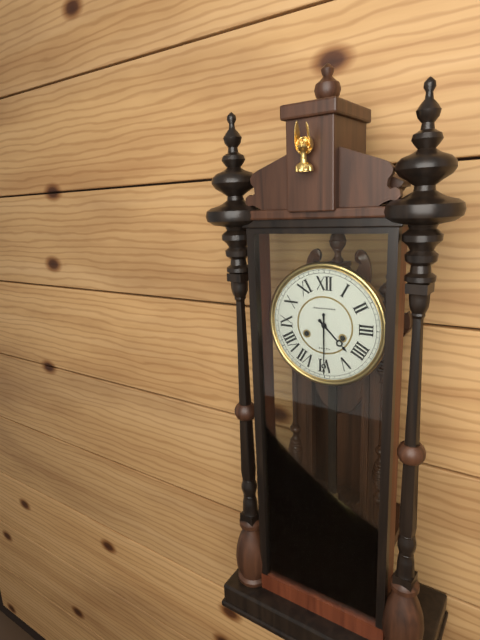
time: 4:30
